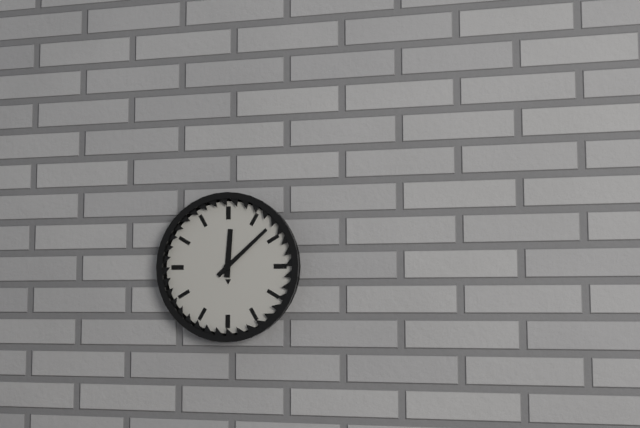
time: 12:08
